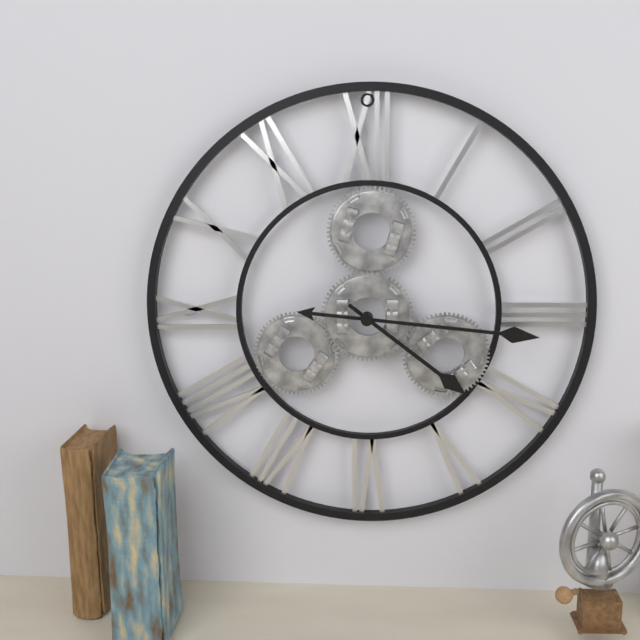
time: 4:16
